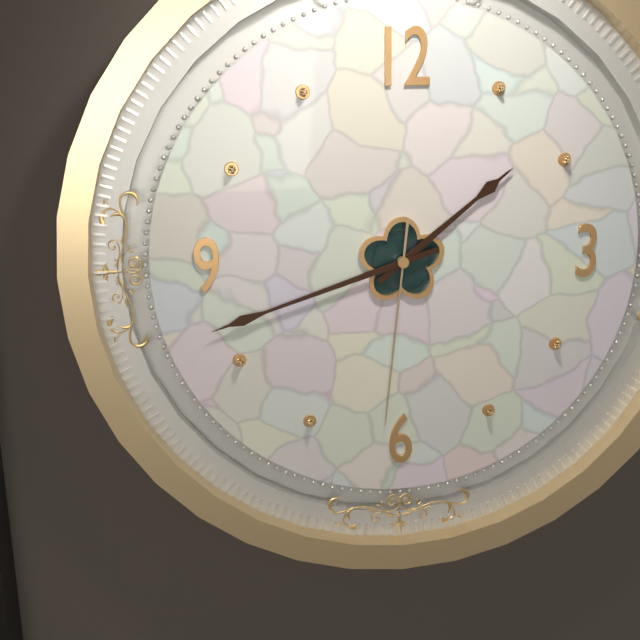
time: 1:42:31
